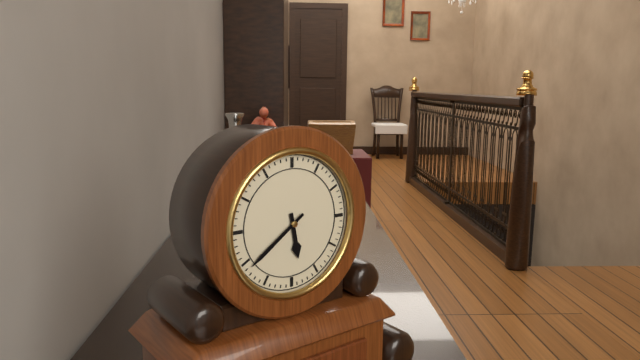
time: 5:39
